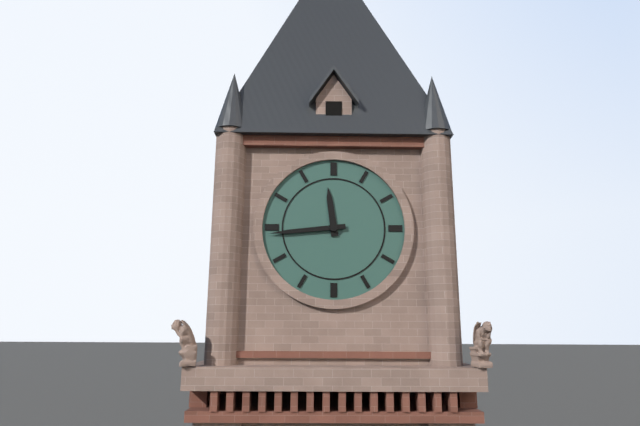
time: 11:44
